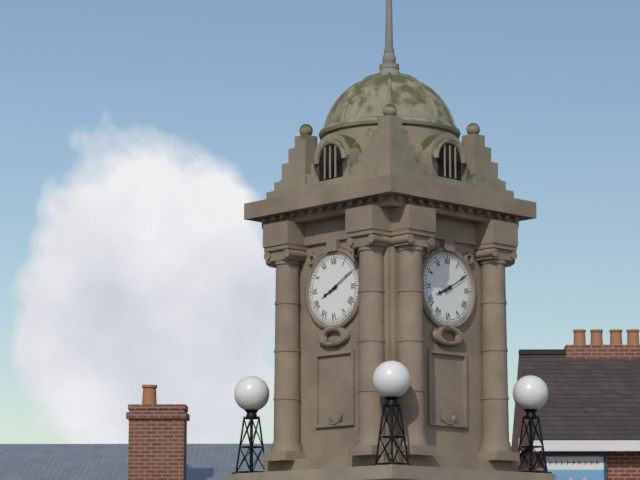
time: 8:10
